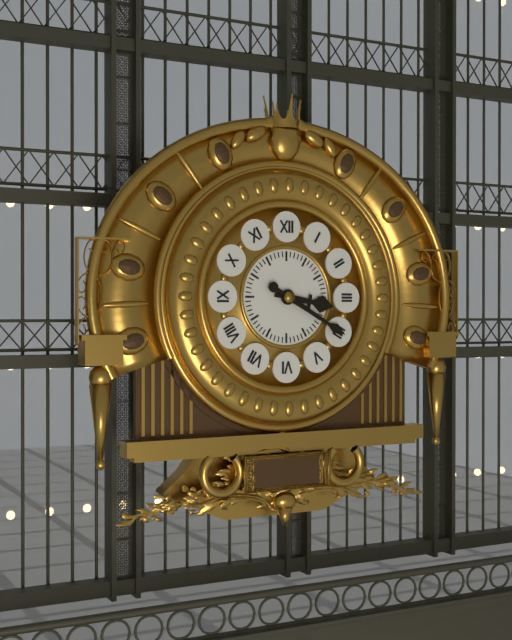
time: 3:20
